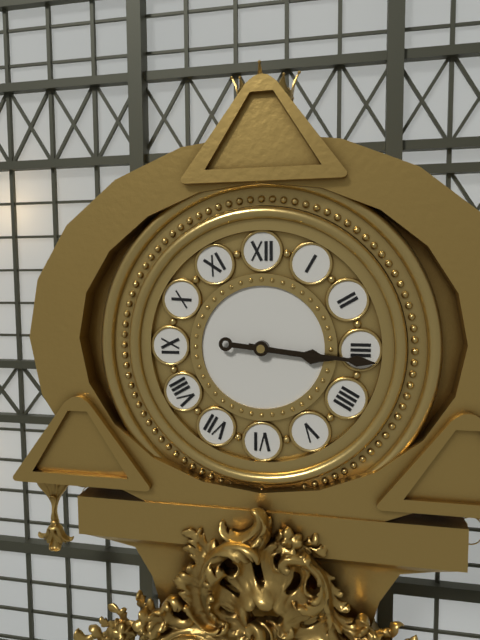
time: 3:16
